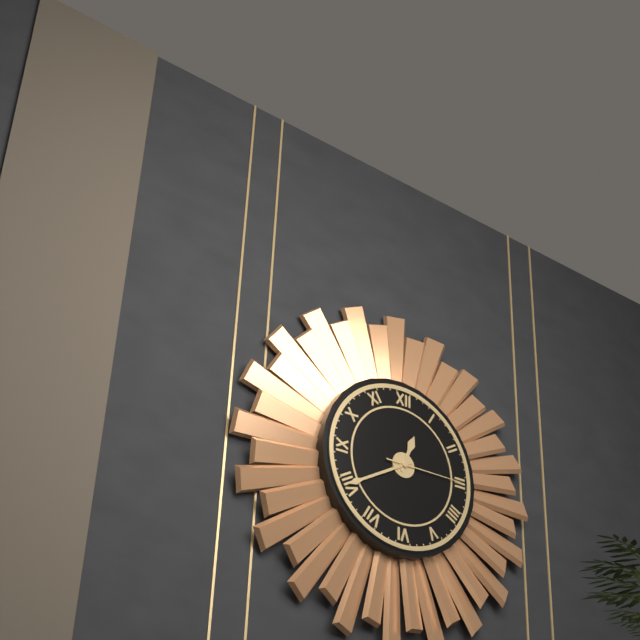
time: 12:40:15
